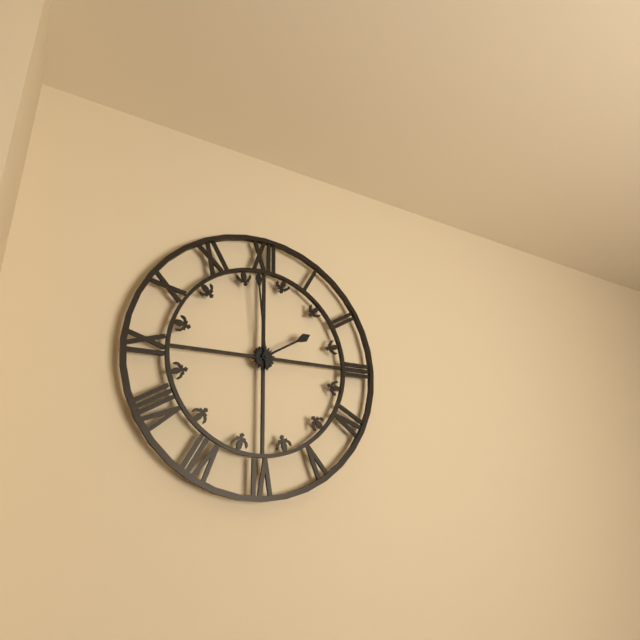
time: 1:59
